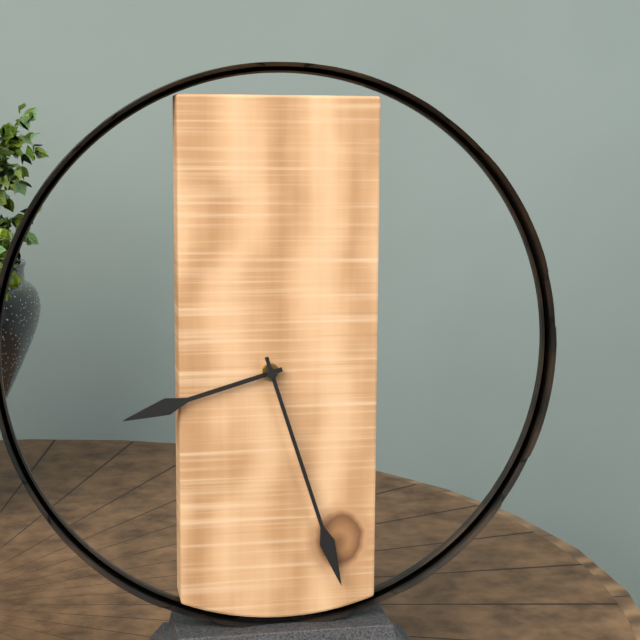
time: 8:27
